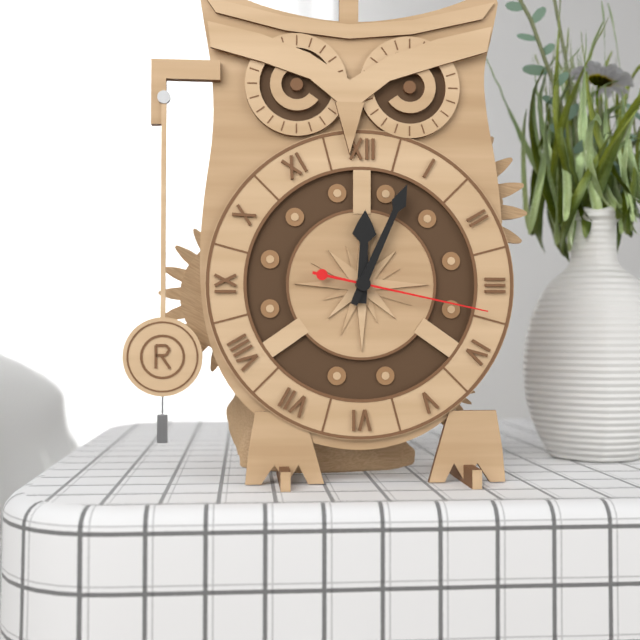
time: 12:04:17
